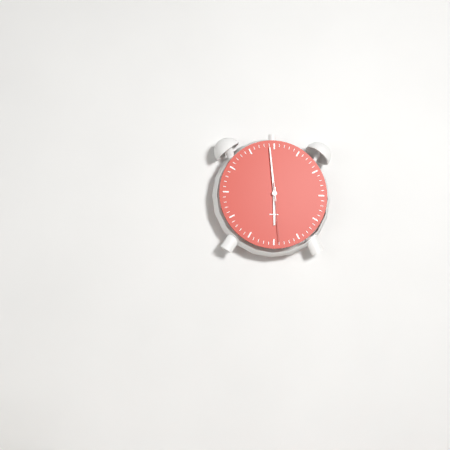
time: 5:59:29
